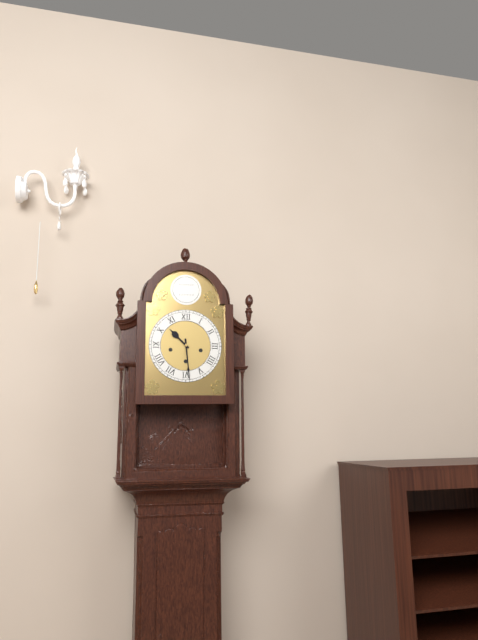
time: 10:29
